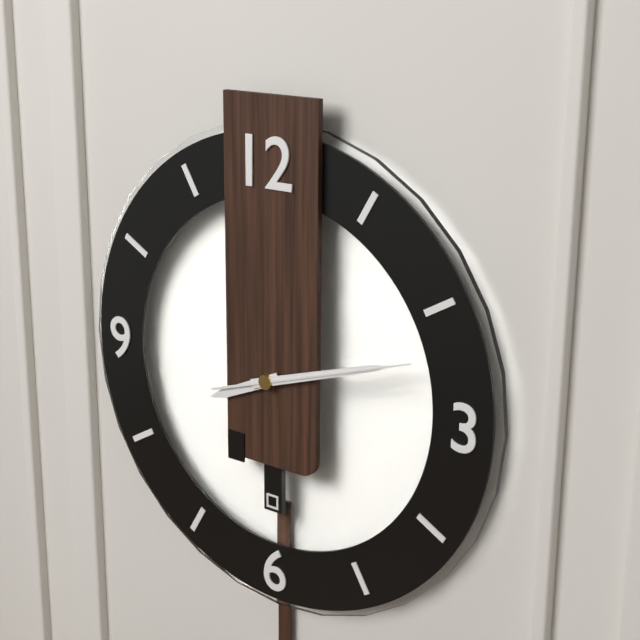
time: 8:12:12
